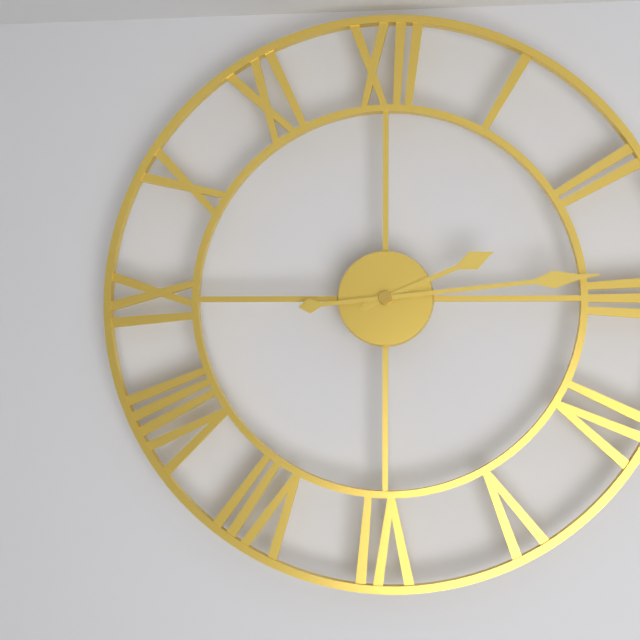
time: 2:14
